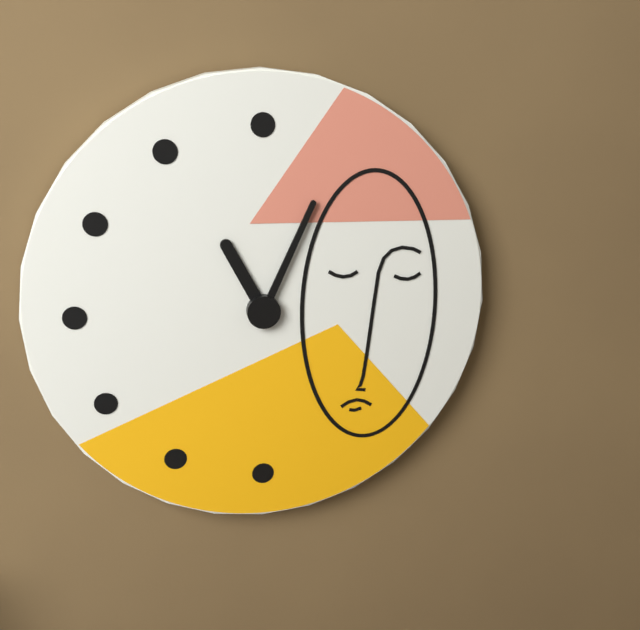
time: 11:04
